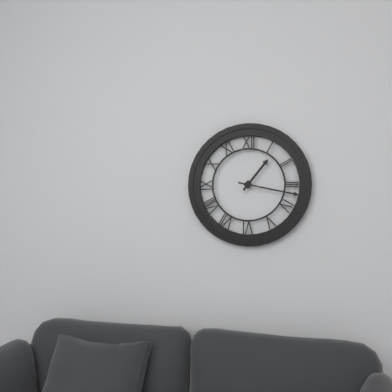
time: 1:17
